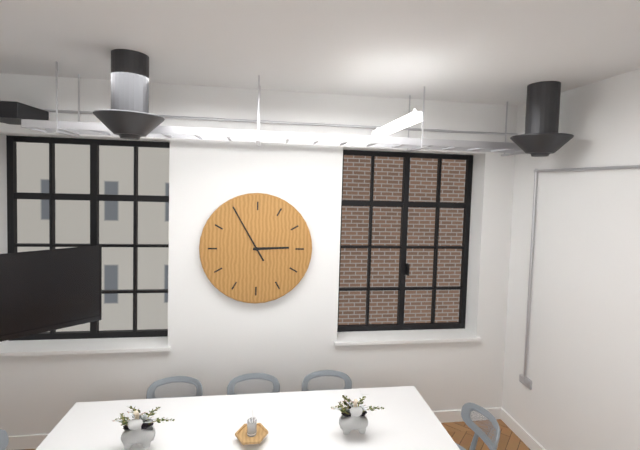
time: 2:55
